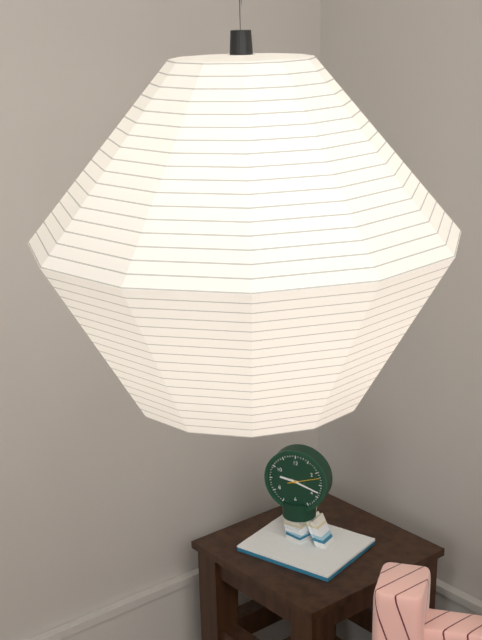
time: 9:18
